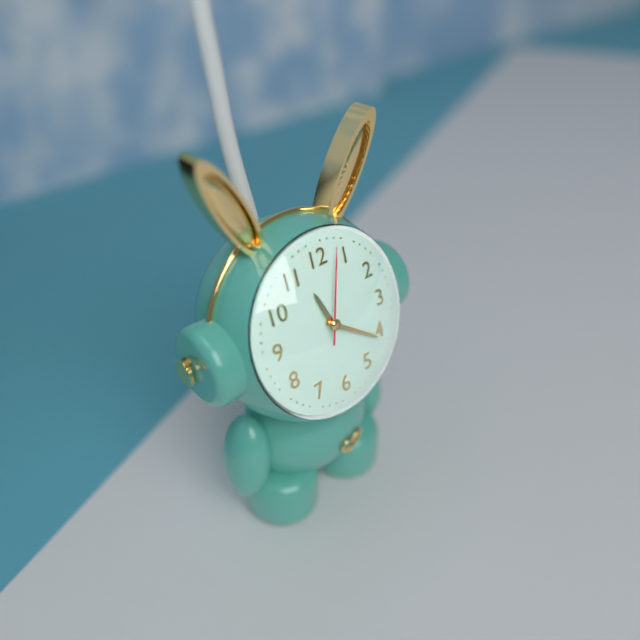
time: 11:21:03
